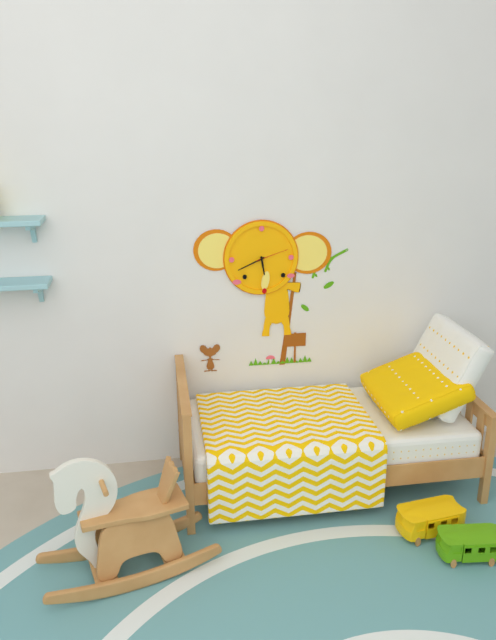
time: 5:41
